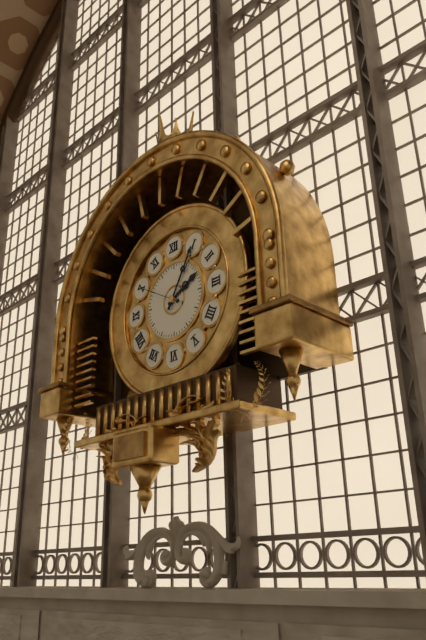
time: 2:05
